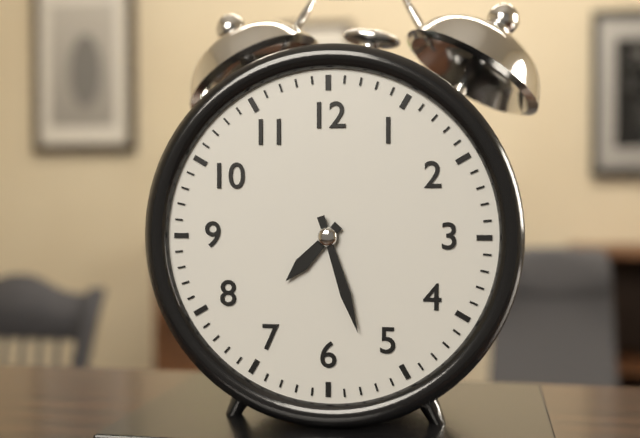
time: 7:27
